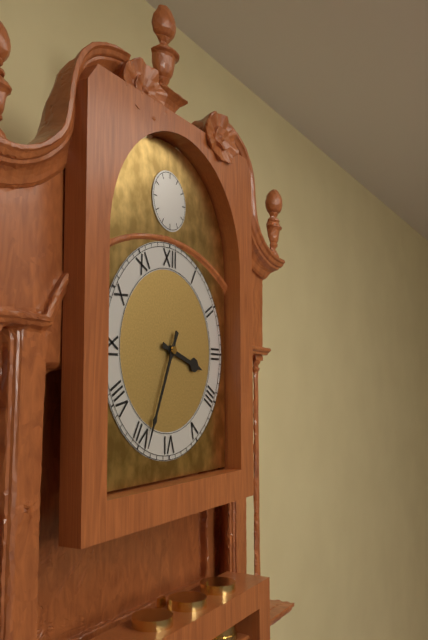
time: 3:34
